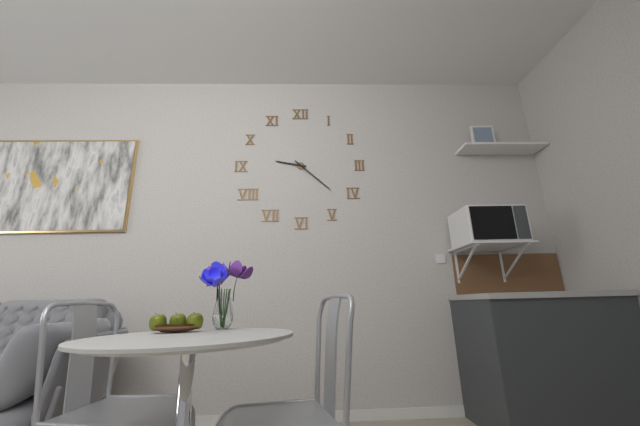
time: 9:22
